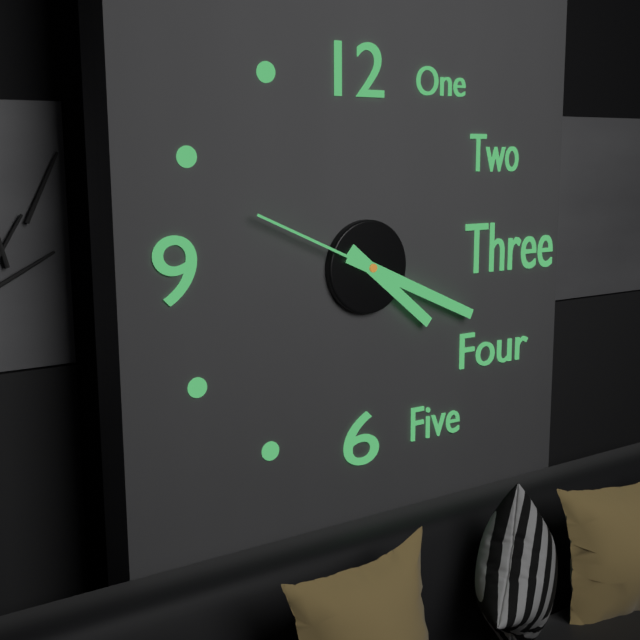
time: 4:19:49
